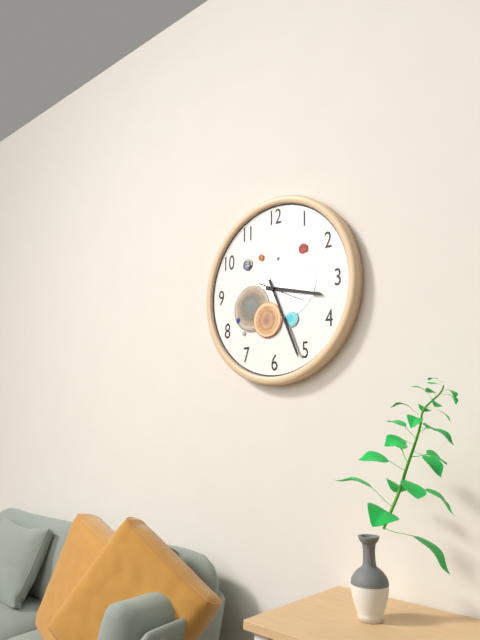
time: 3:26
